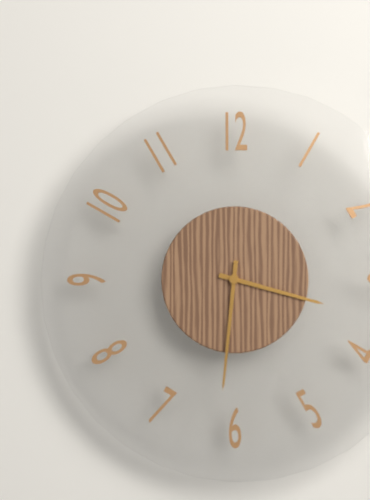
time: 3:31
